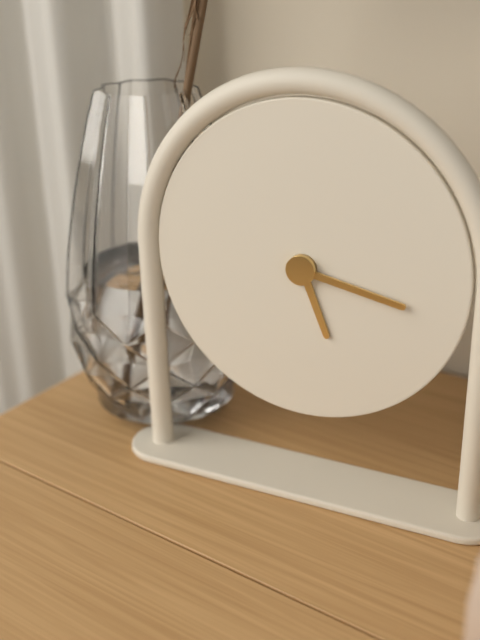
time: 5:17
